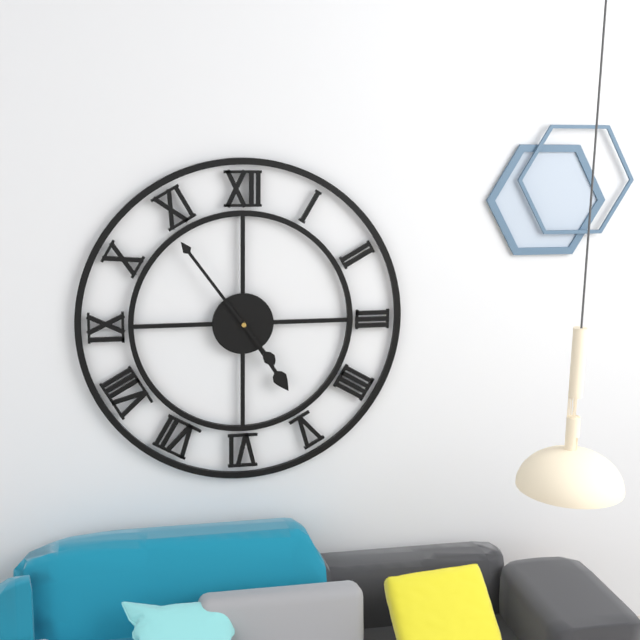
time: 4:54
